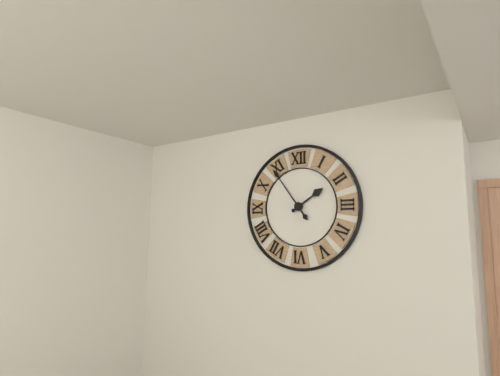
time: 1:54
